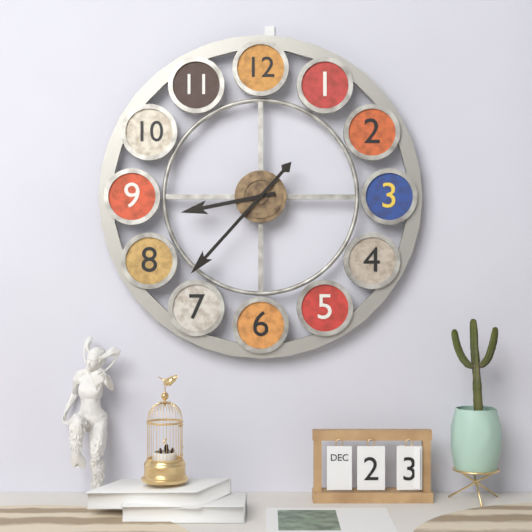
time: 8:37
